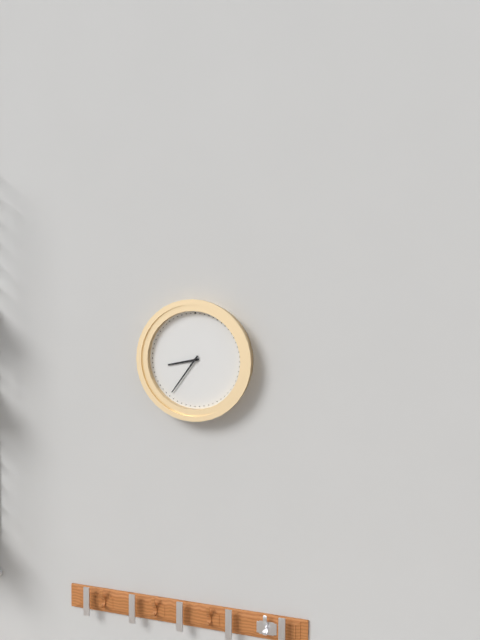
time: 8:36
